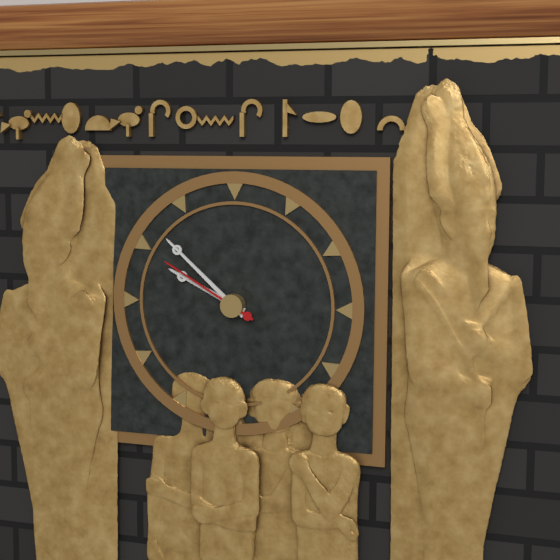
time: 9:52:50
